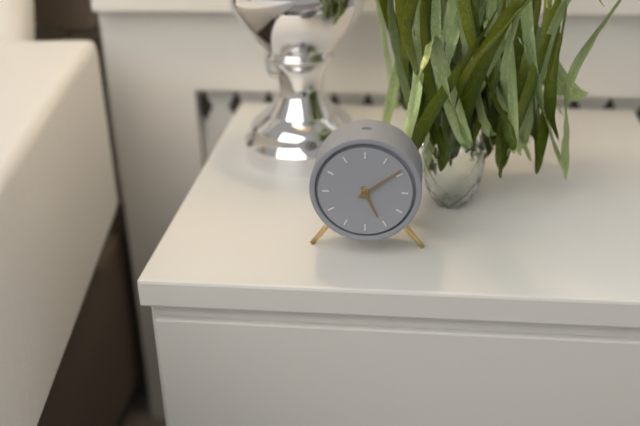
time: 5:09
